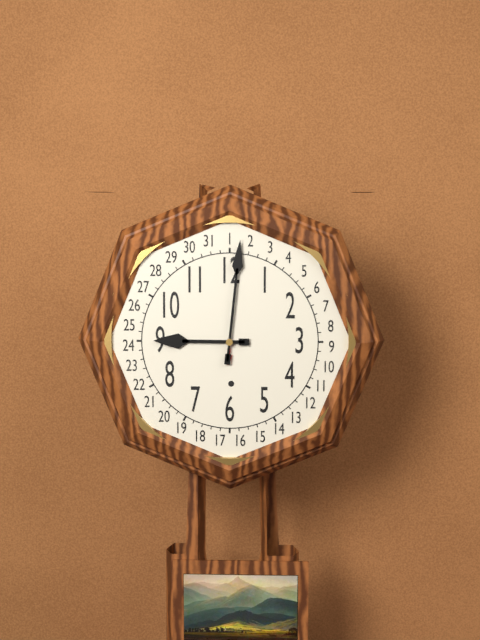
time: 9:01
